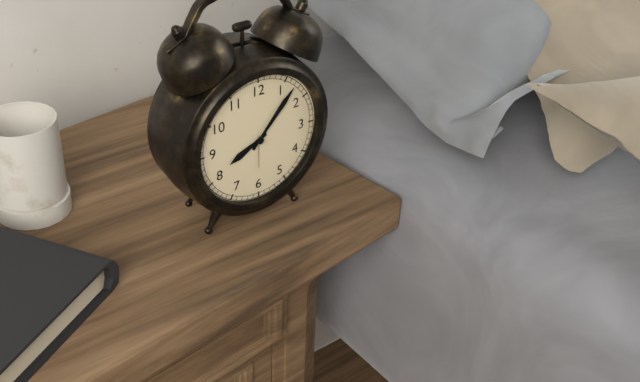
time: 8:07
